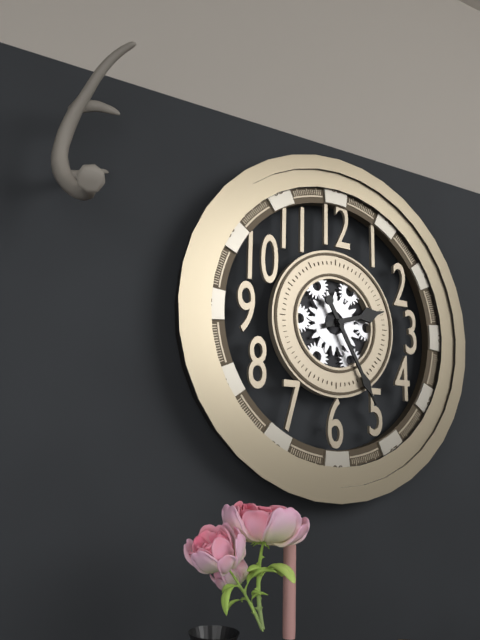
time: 2:25
